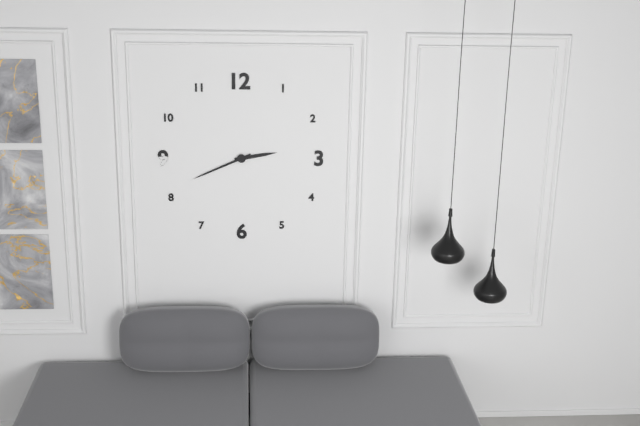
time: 2:41
